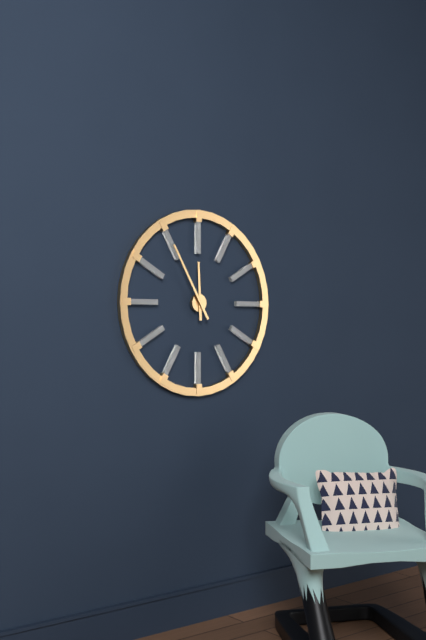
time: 11:55
